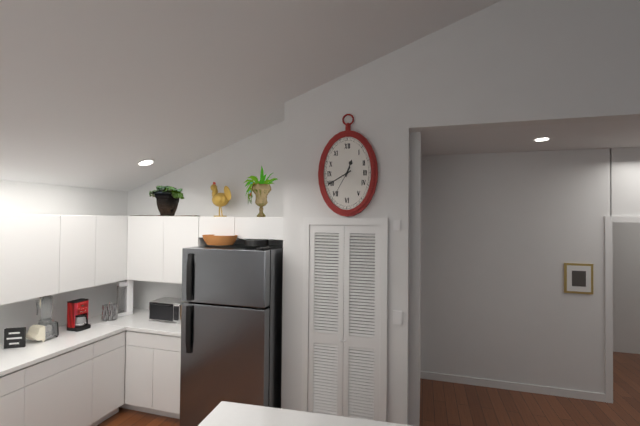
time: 12:40
